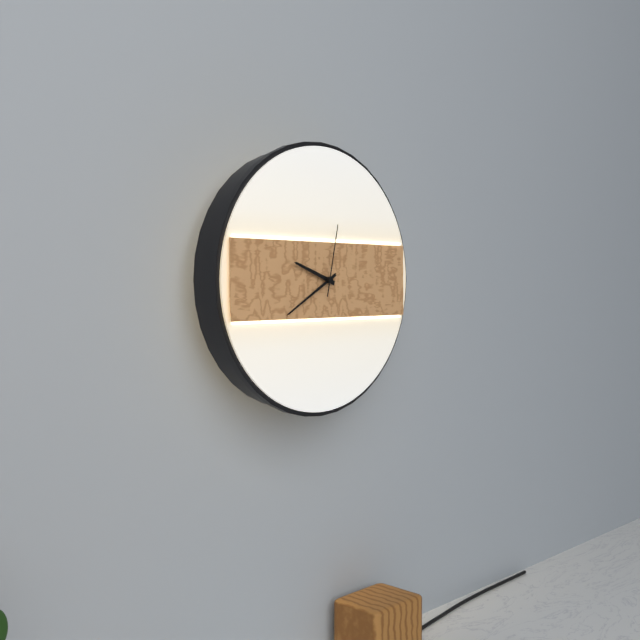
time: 9:40:02
